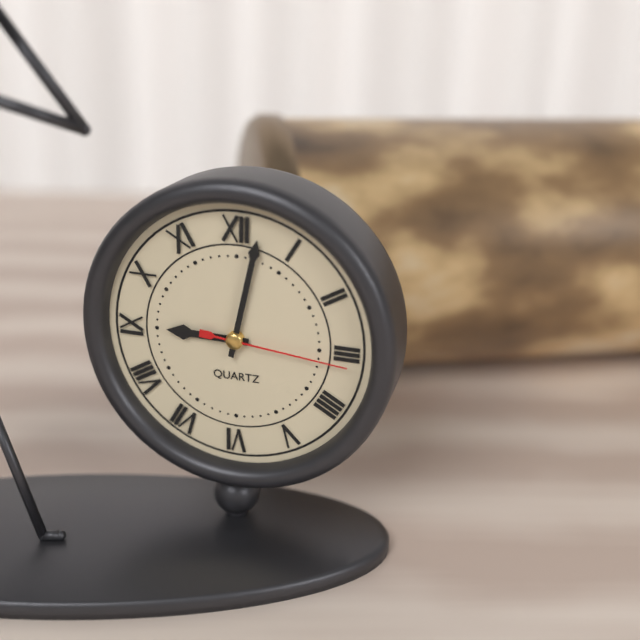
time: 9:02:16
